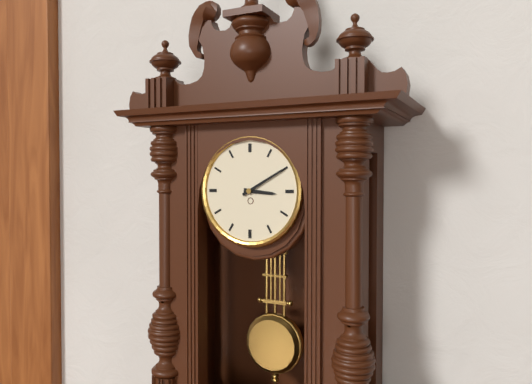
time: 3:10
